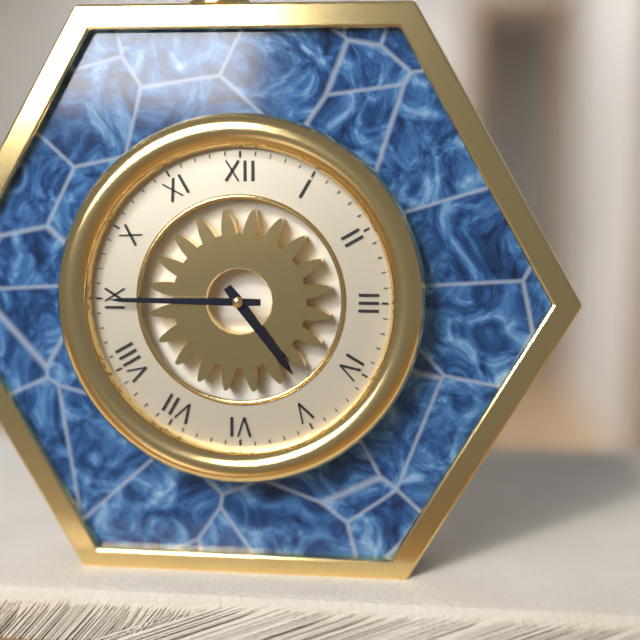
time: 4:45
